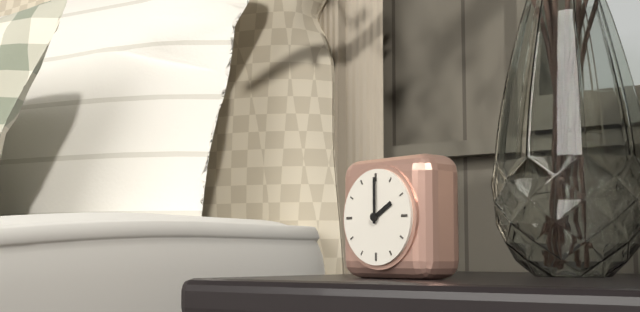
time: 2:00
